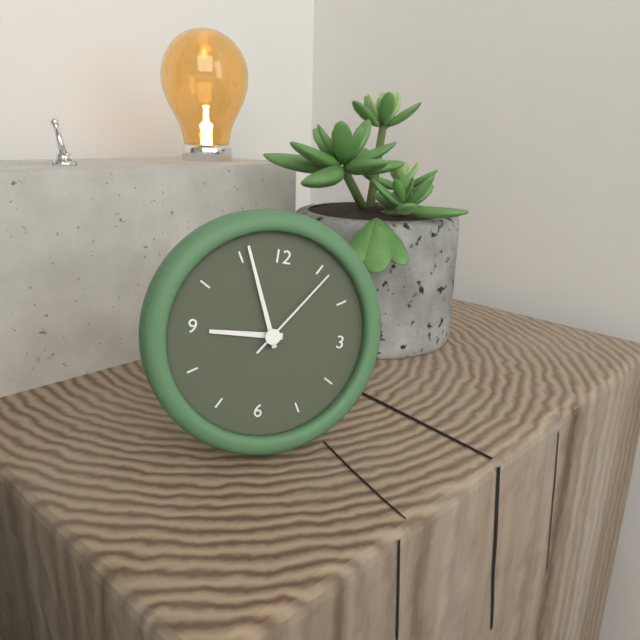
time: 8:56:06
